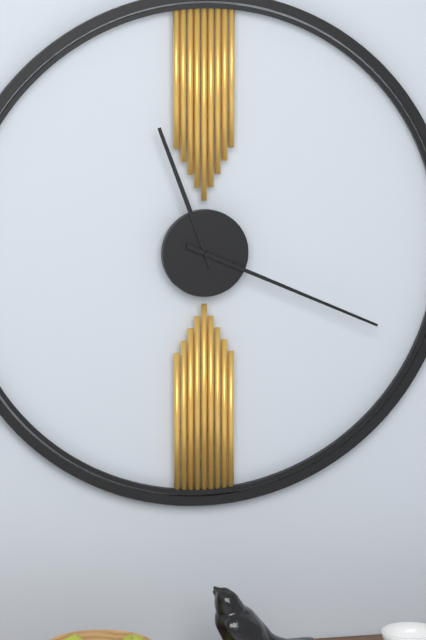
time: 11:19
